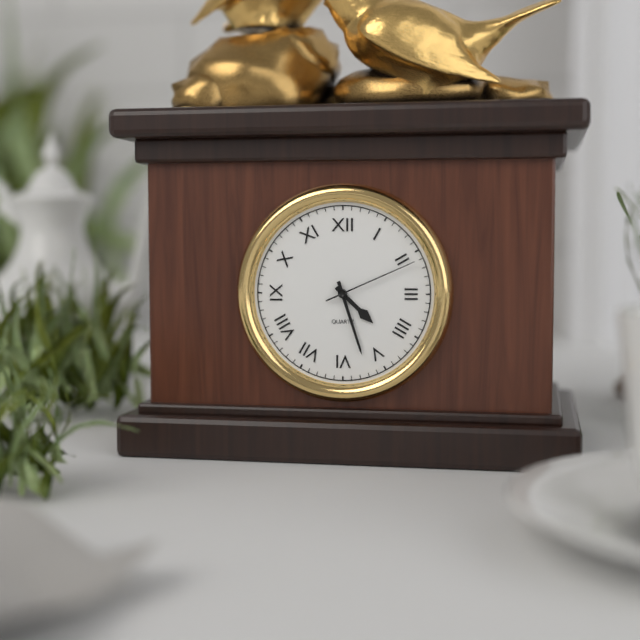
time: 4:27:11
